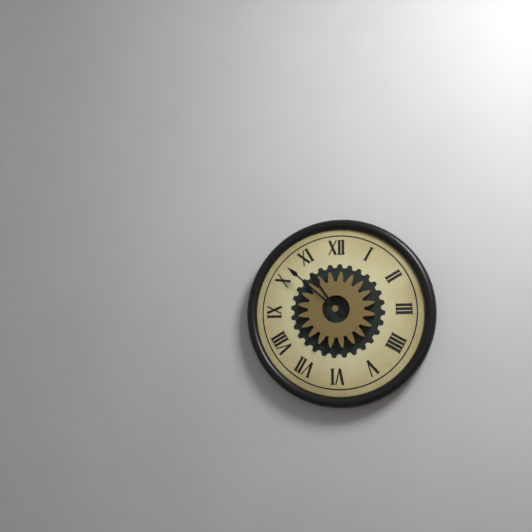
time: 10:52
